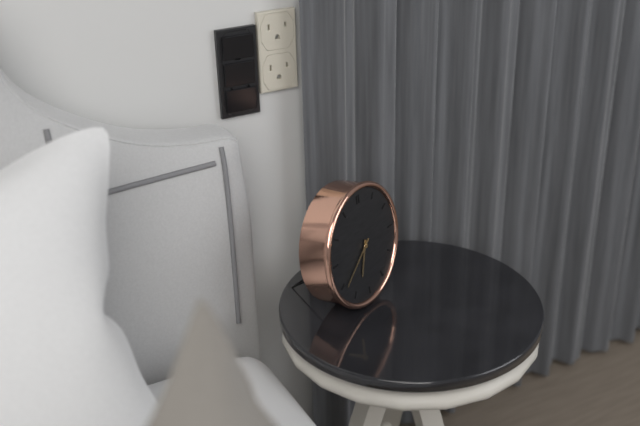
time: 6:39
